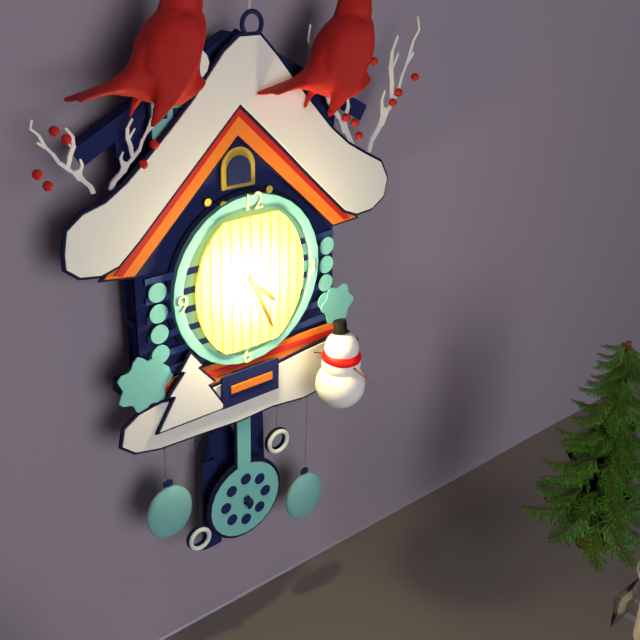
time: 4:26
